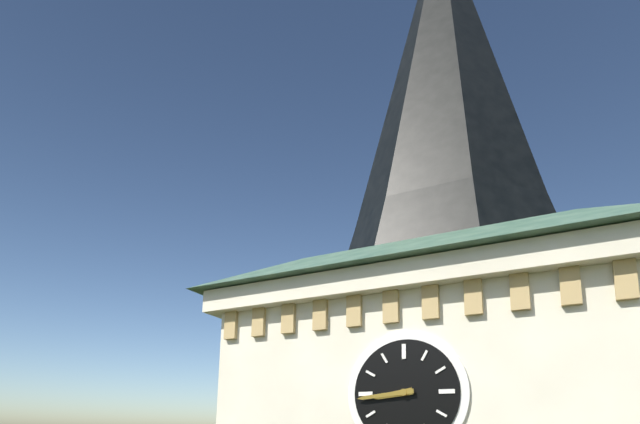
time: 8:44
